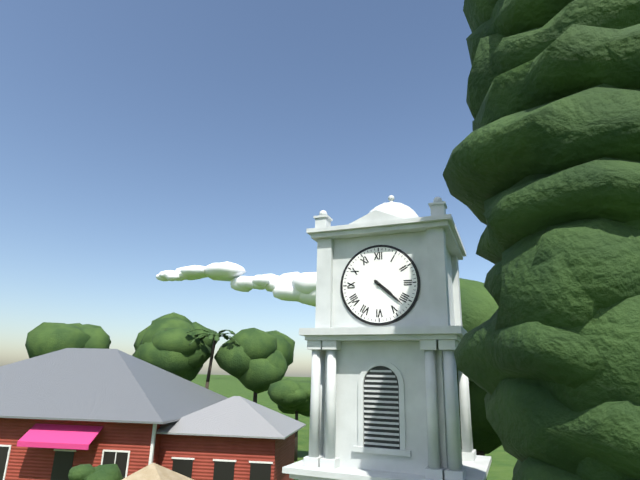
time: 4:22
